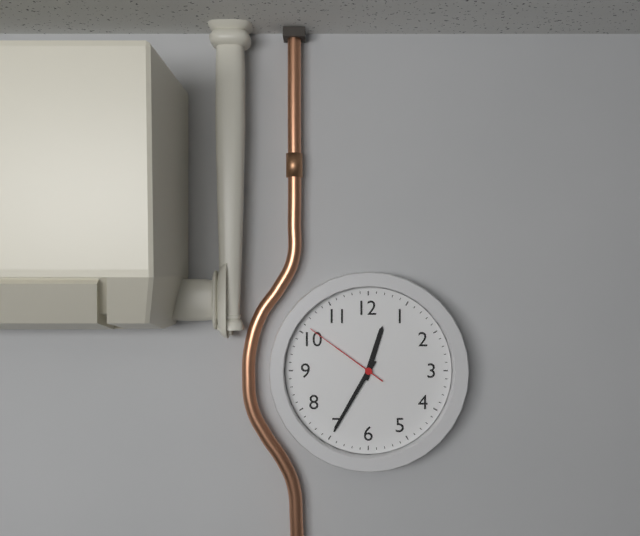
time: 12:35:51
